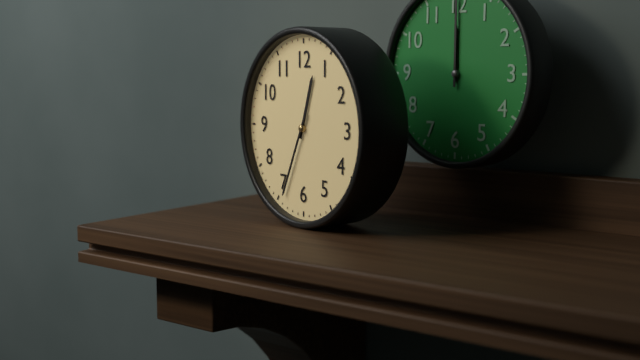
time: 12:34
